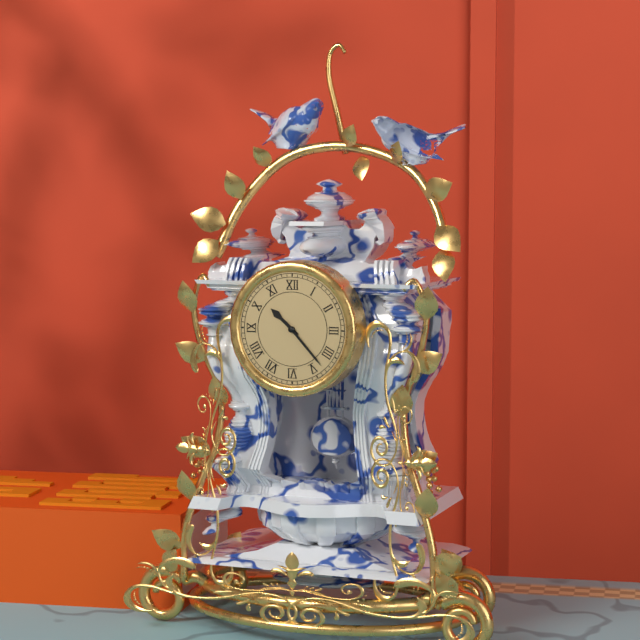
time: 10:23
